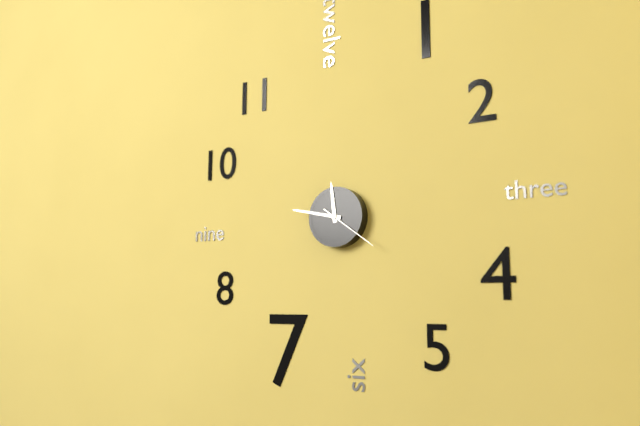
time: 11:47:21
